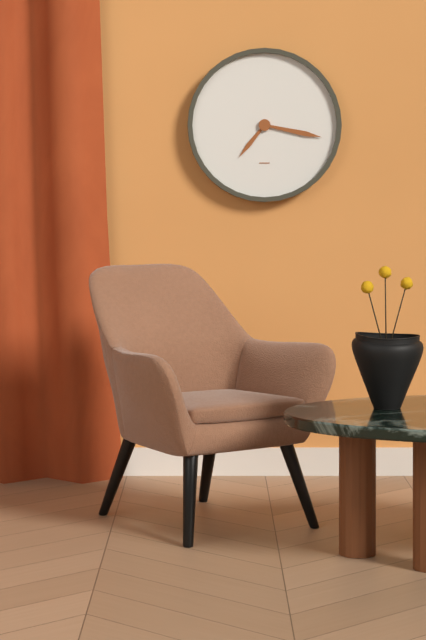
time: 7:17
